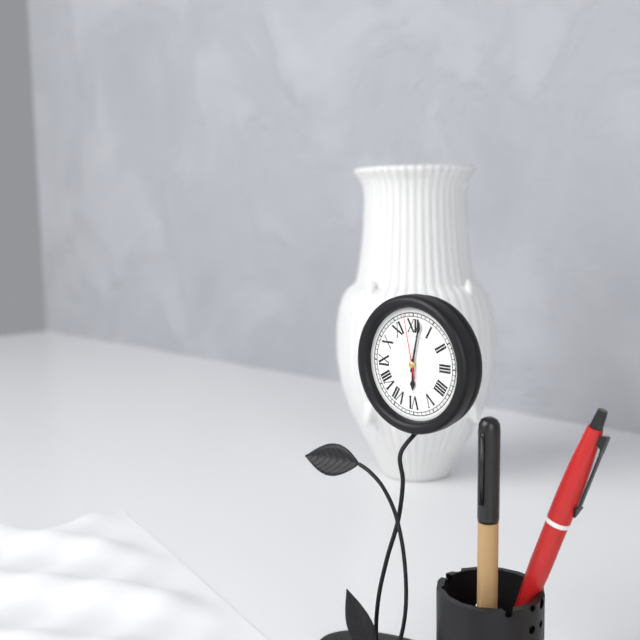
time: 6:02:58
